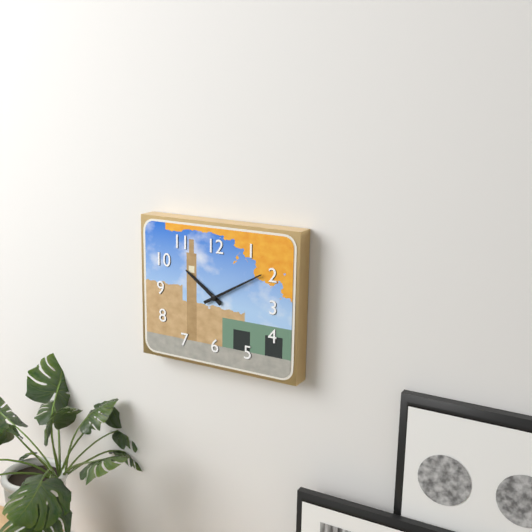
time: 10:10
